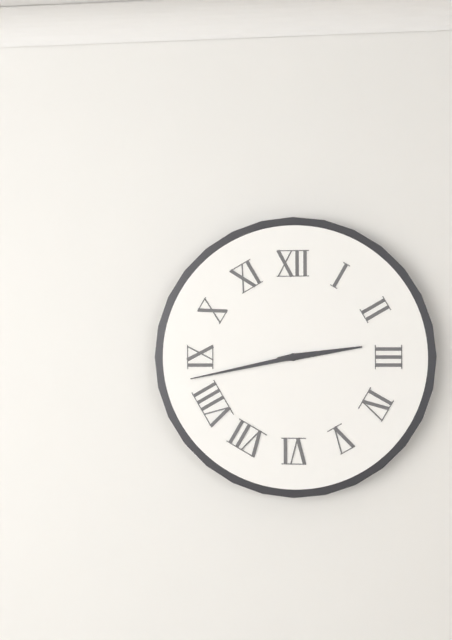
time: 2:43
